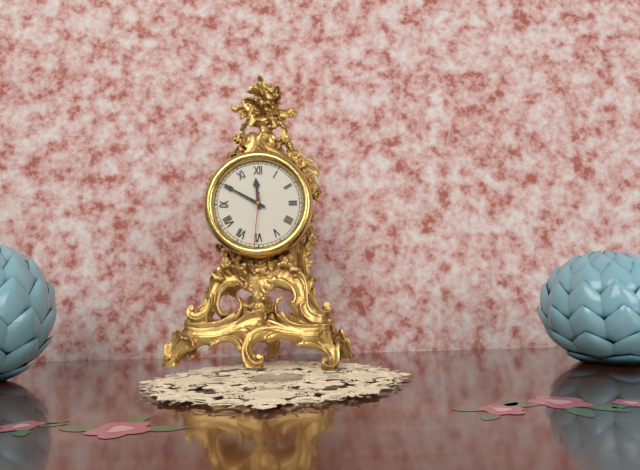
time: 11:50:31
